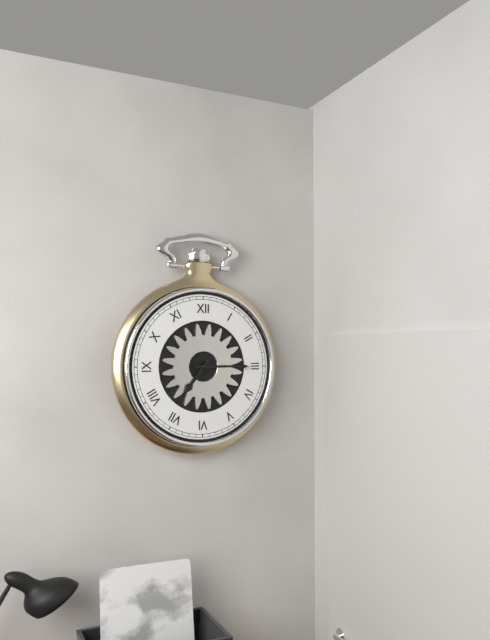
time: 7:15
